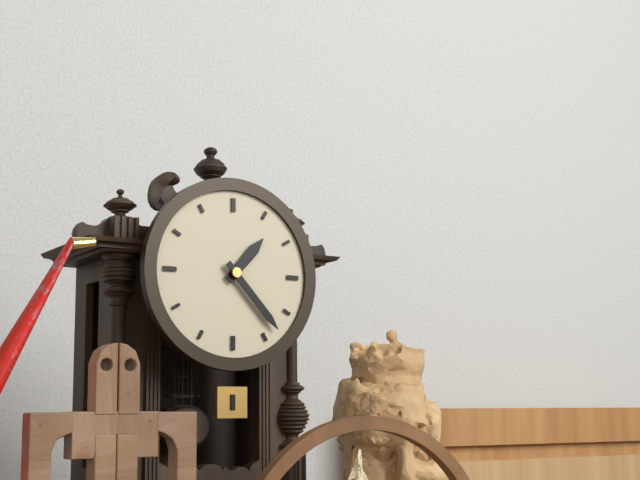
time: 1:23
